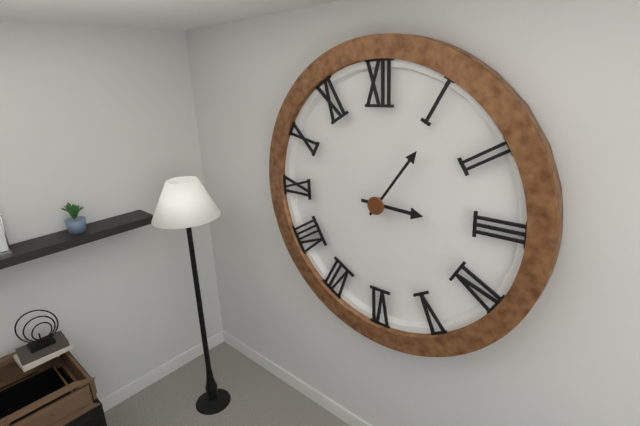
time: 3:06
